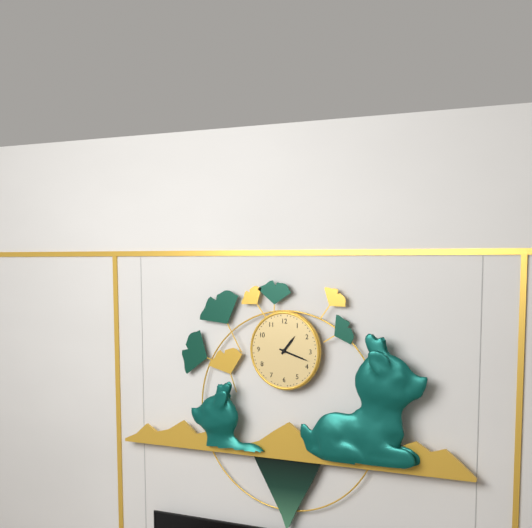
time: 1:18
